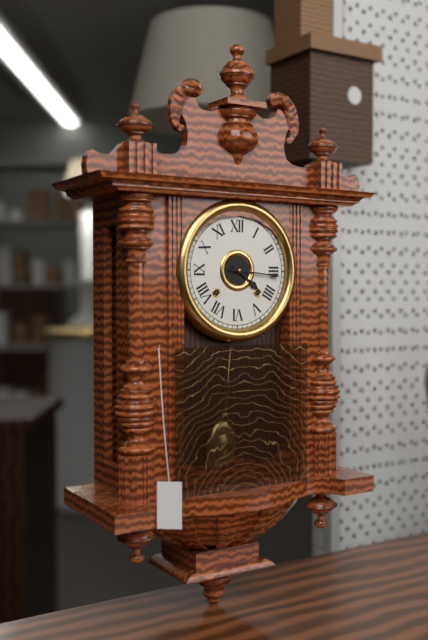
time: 4:16
